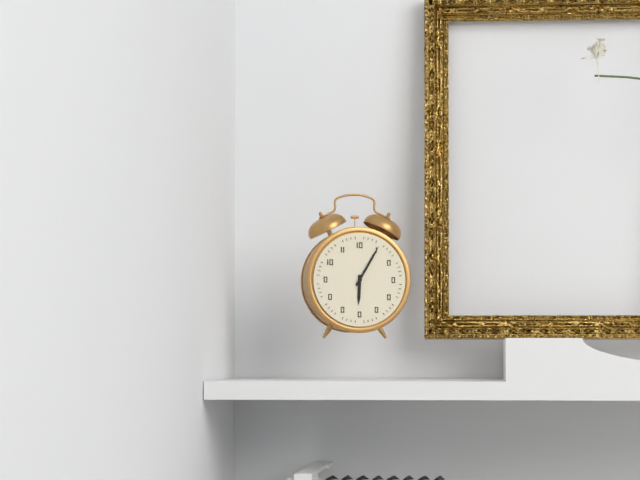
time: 6:05
